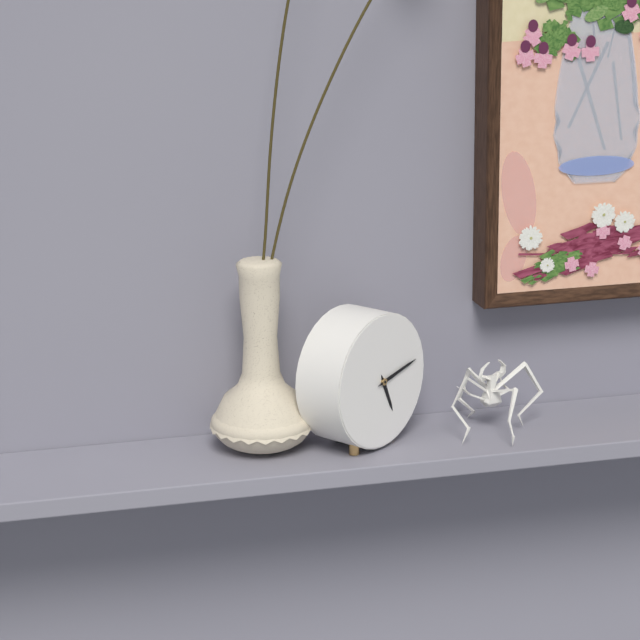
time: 5:13
